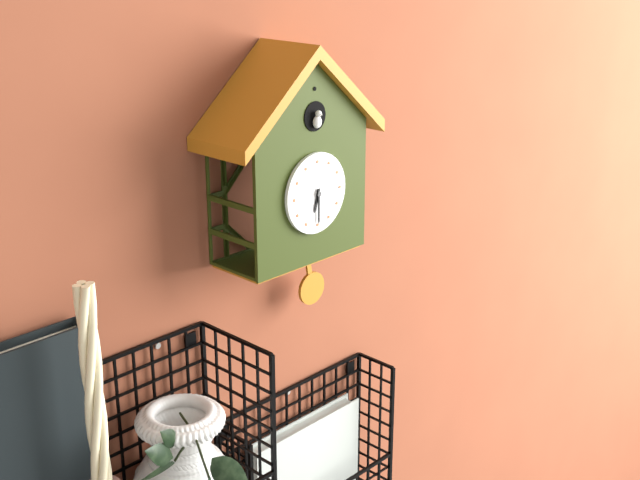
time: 6:30
